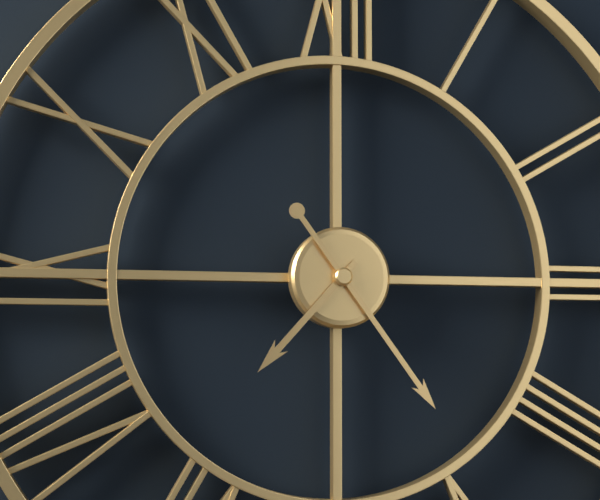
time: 7:24
